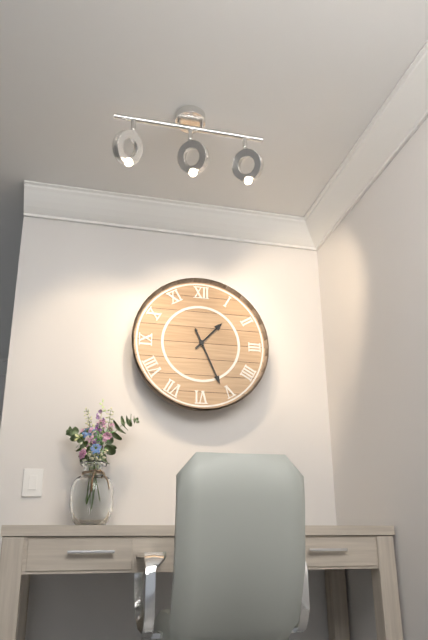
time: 1:26
